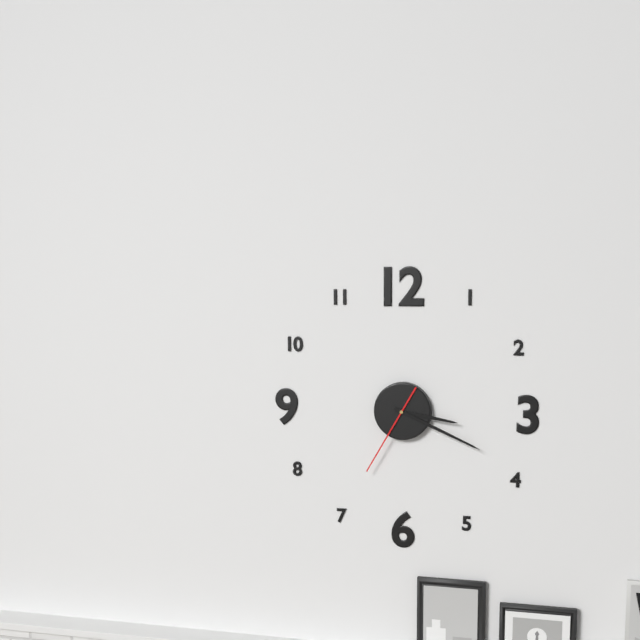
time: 3:19:35
